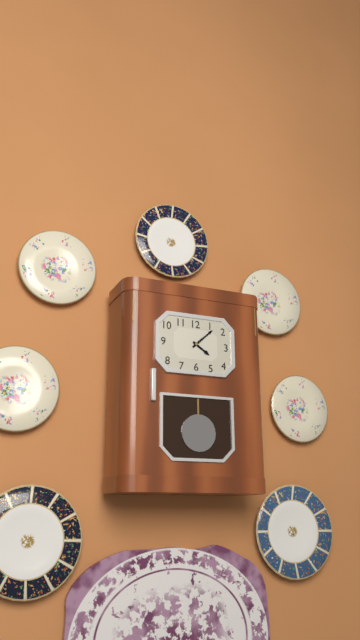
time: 4:08
